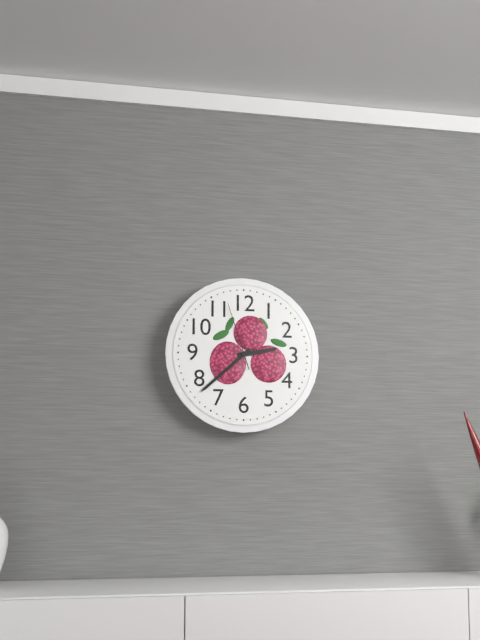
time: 2:38:57
